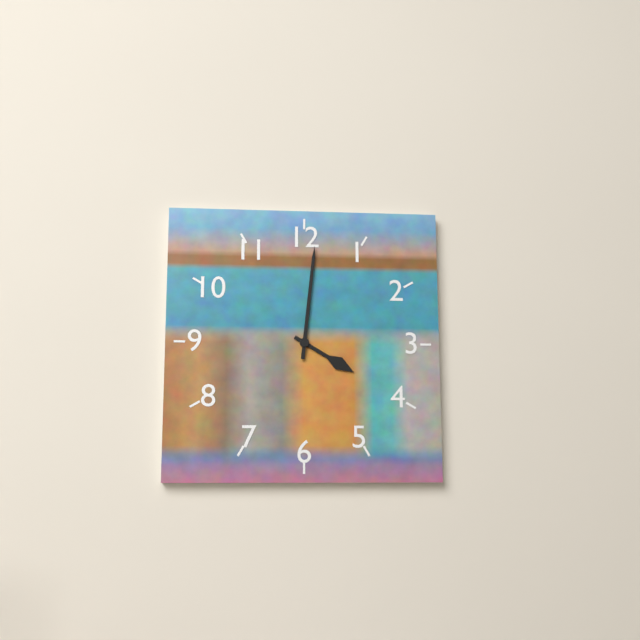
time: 4:01
